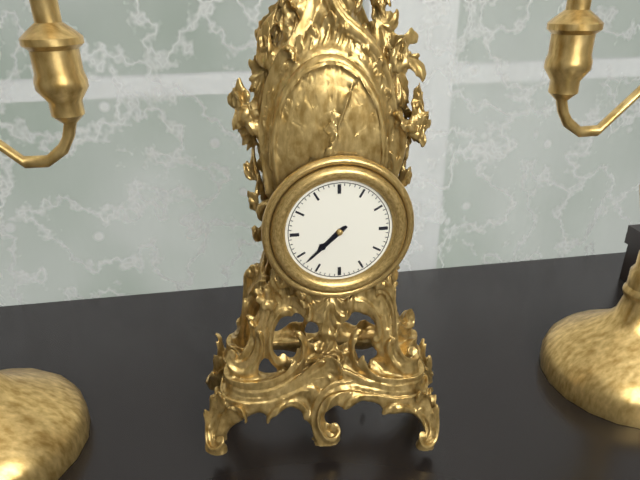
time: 7:38
